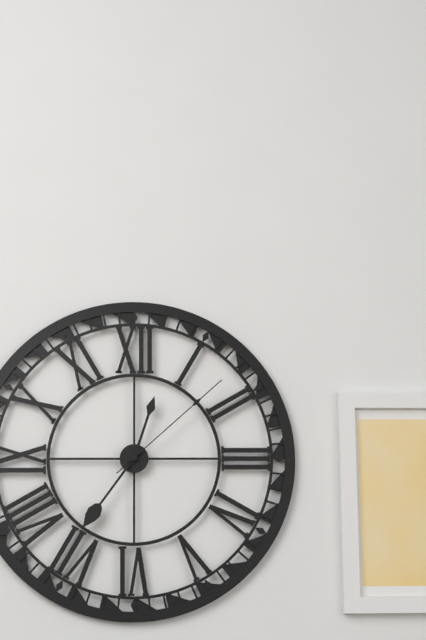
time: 12:36:08
